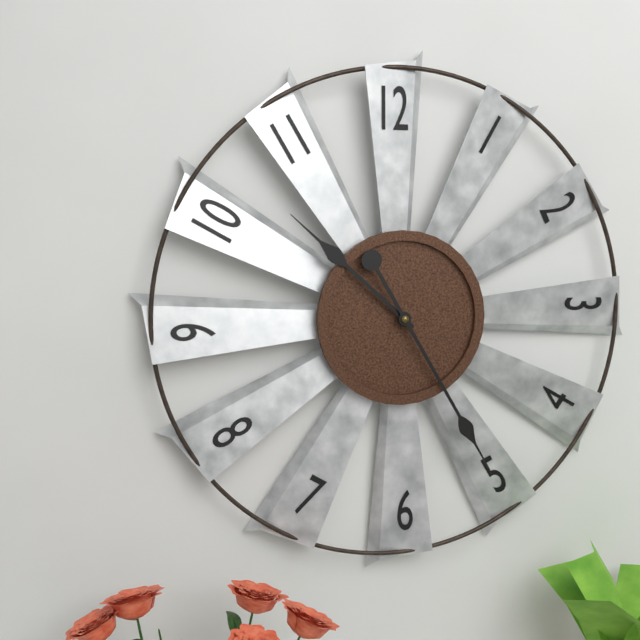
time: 10:25
